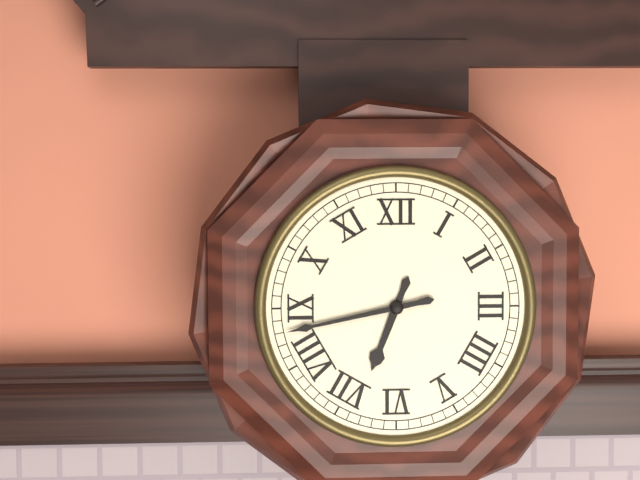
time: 6:43
